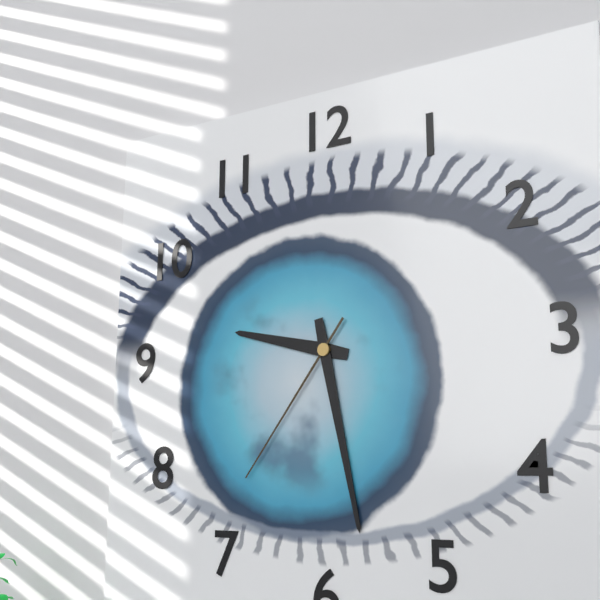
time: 9:28:36
